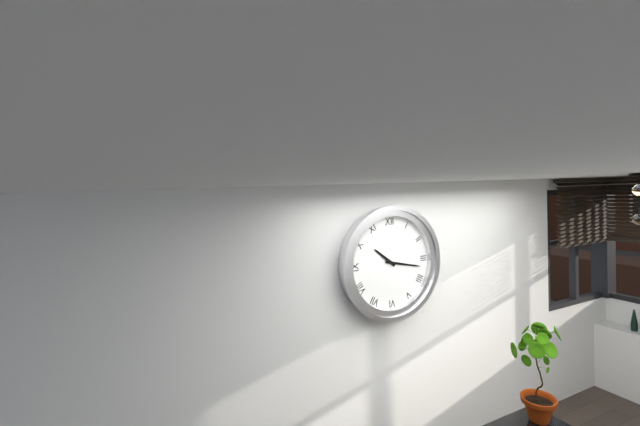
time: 10:17
